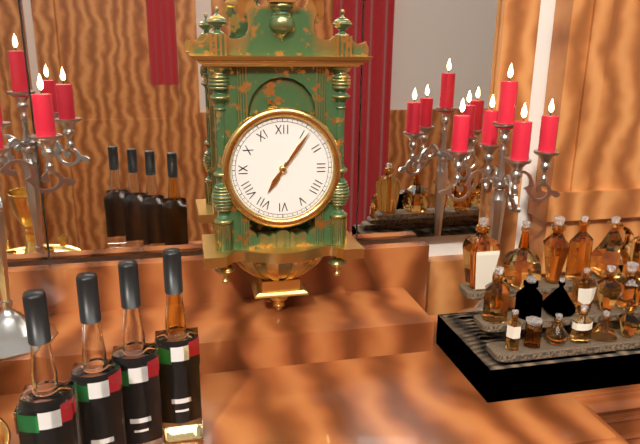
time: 7:06
